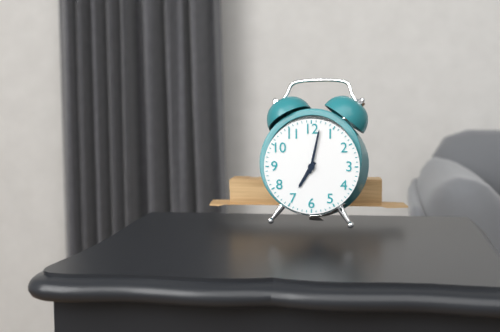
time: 7:02
